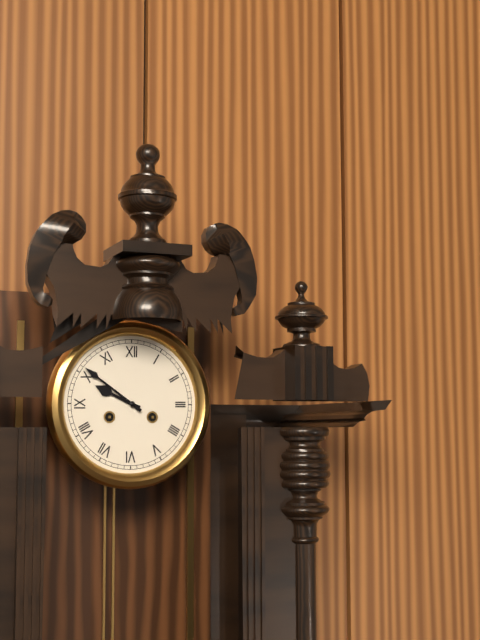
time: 9:51
